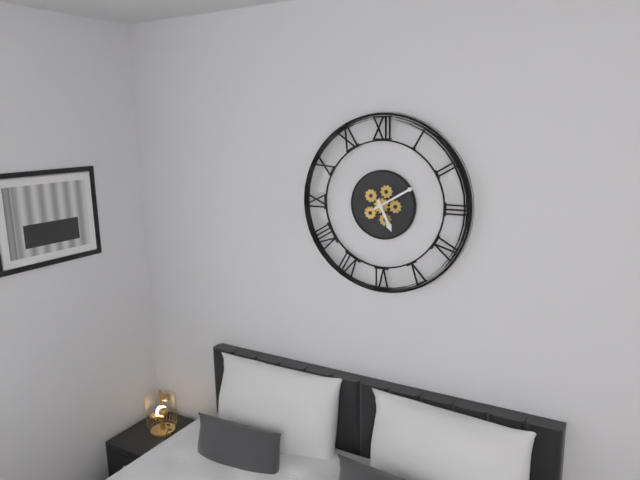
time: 5:10
